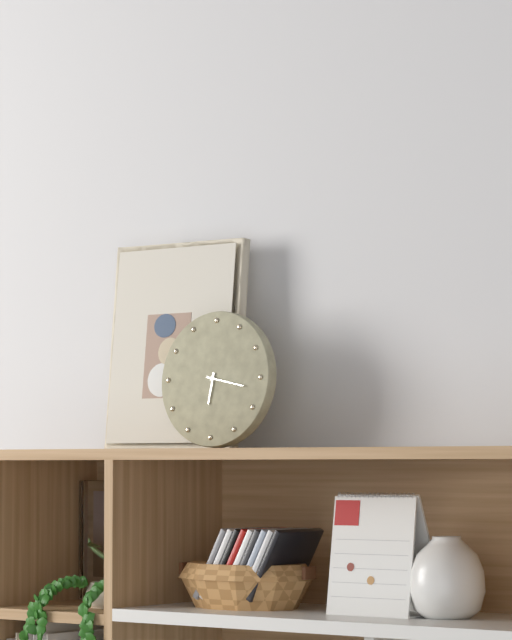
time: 6:17
